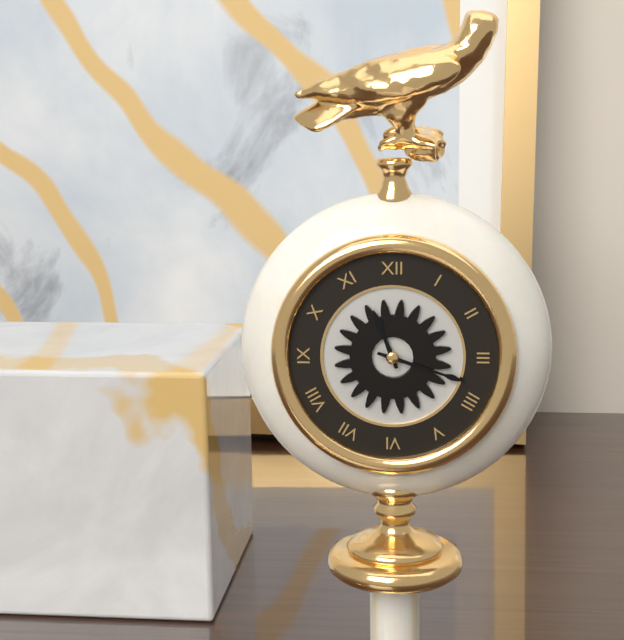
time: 11:18
